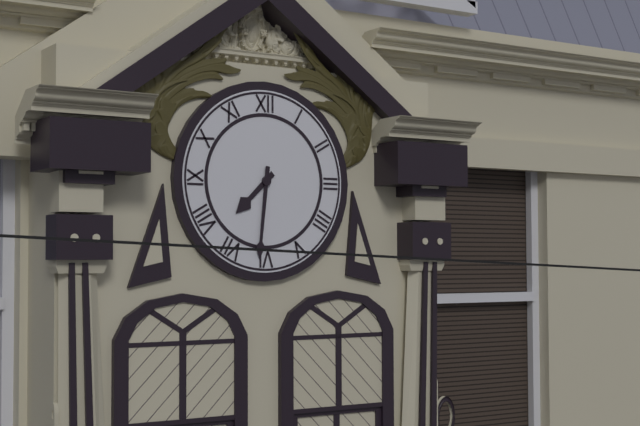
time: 7:31
